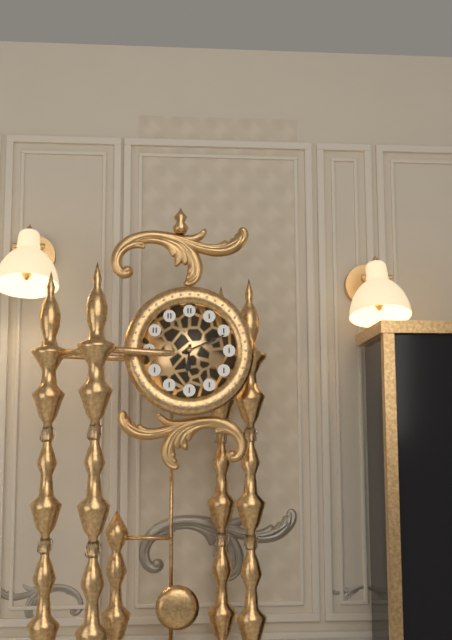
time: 6:11
